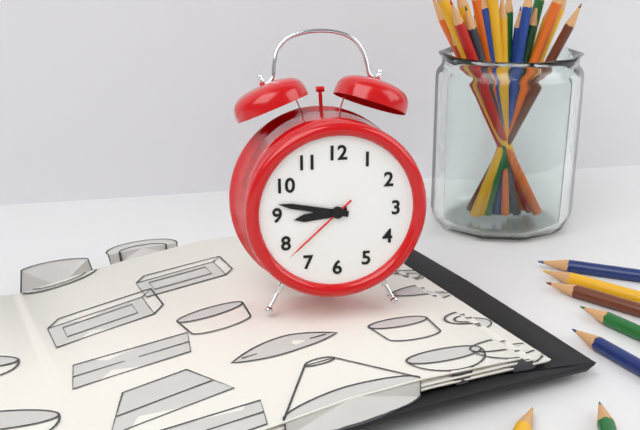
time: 8:47:38
